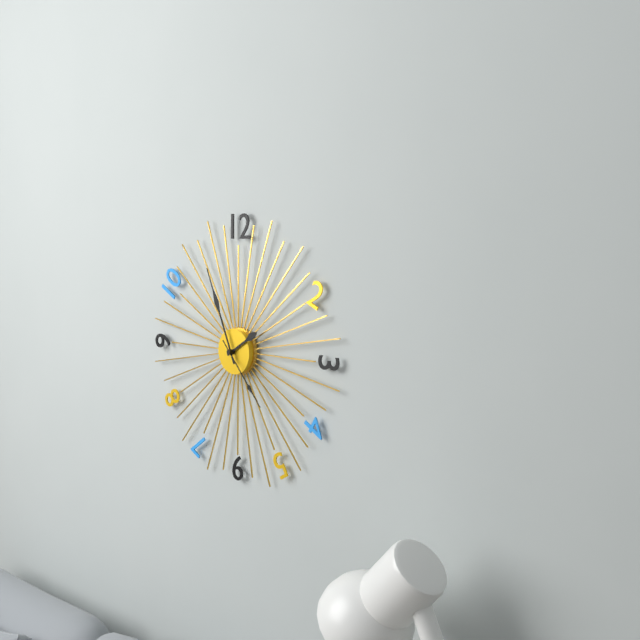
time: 1:56:23
